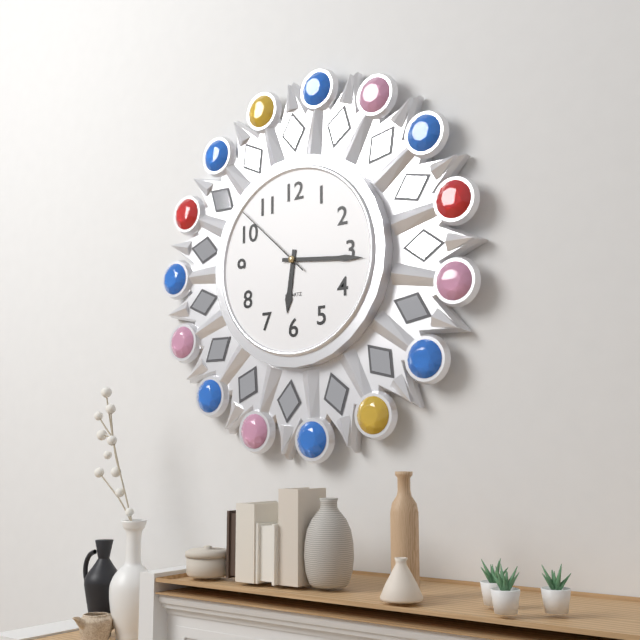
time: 6:16:52
